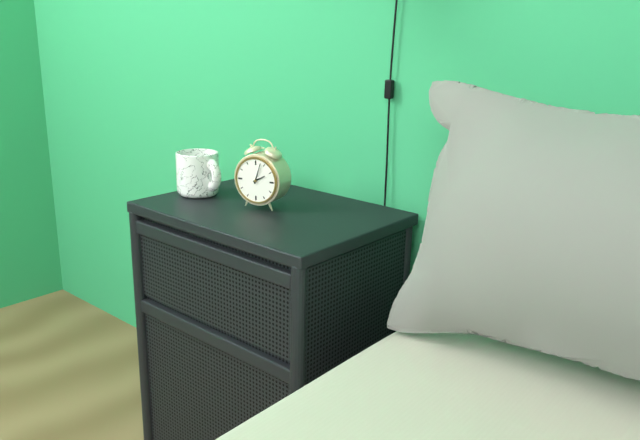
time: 2:03
